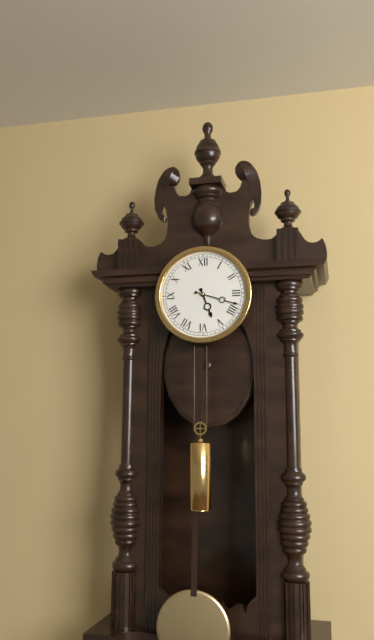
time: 5:18
